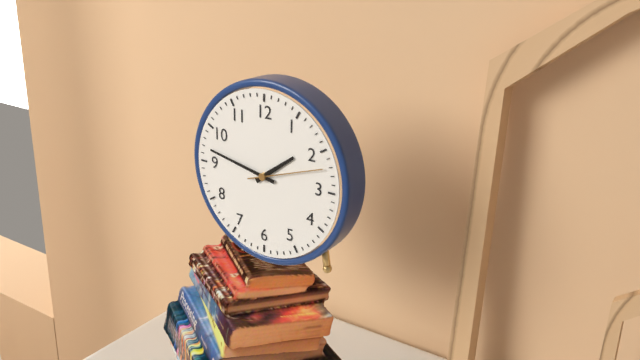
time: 1:47:12
